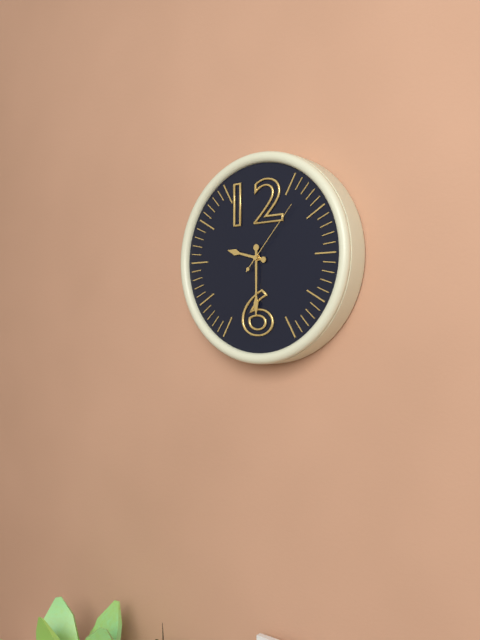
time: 9:30:07
